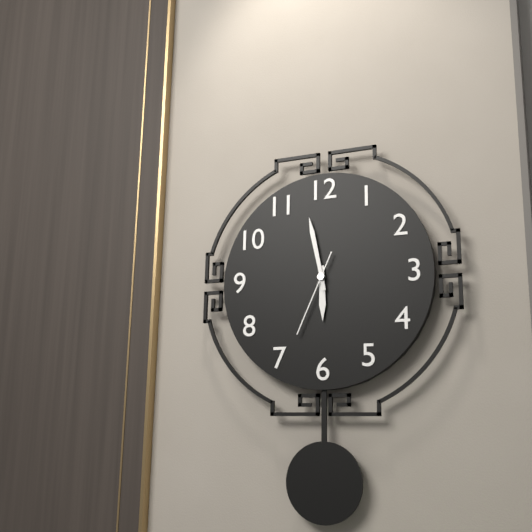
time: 5:58:34
